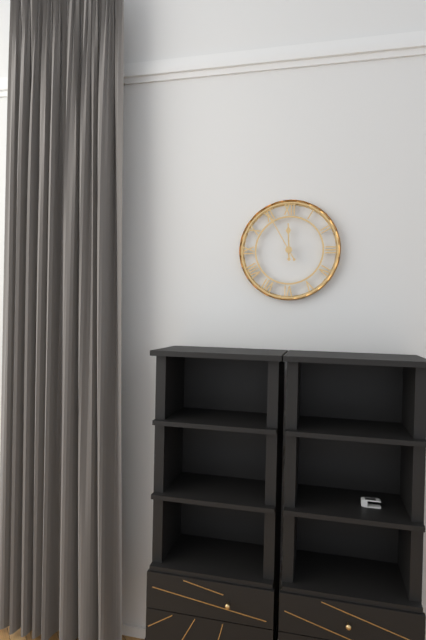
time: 11:55
